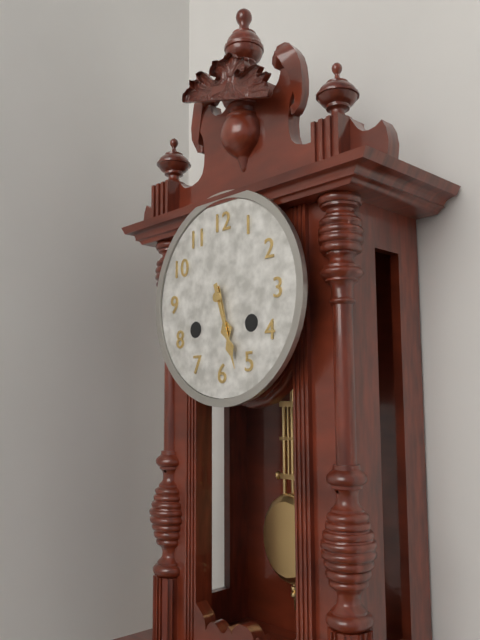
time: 5:27
